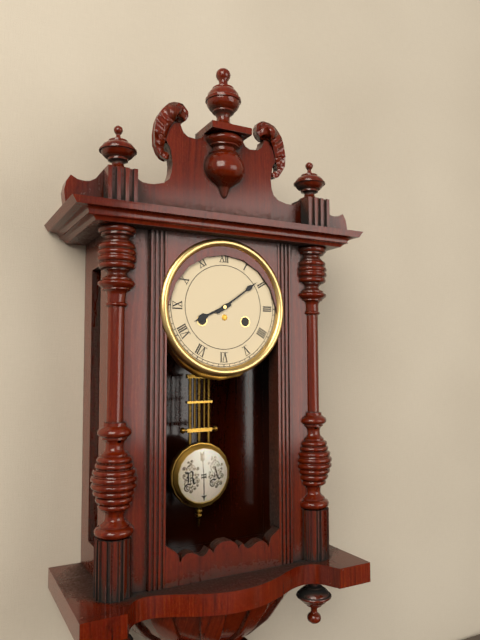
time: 8:09
